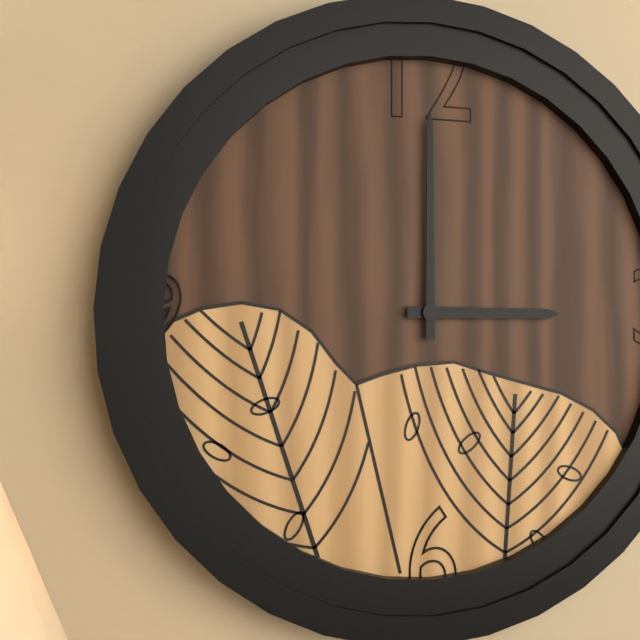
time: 3:00
